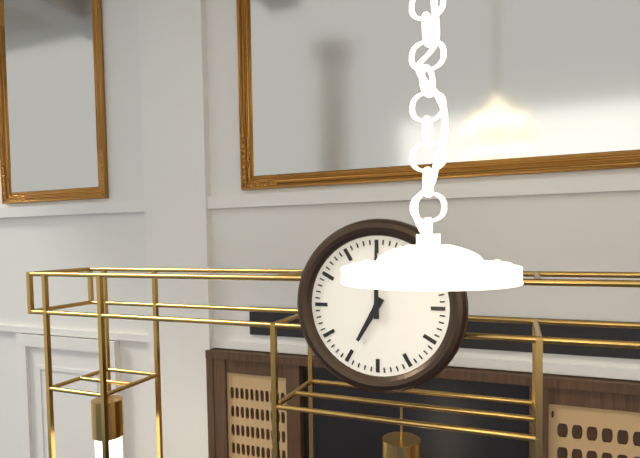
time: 7:00
